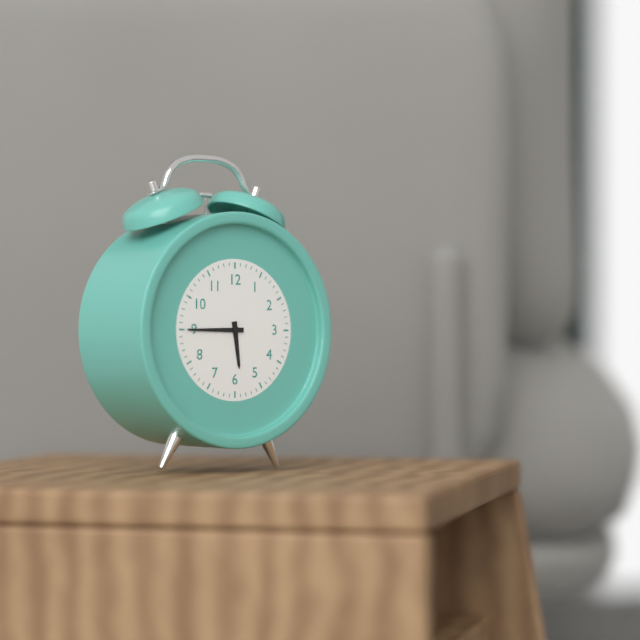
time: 5:45
